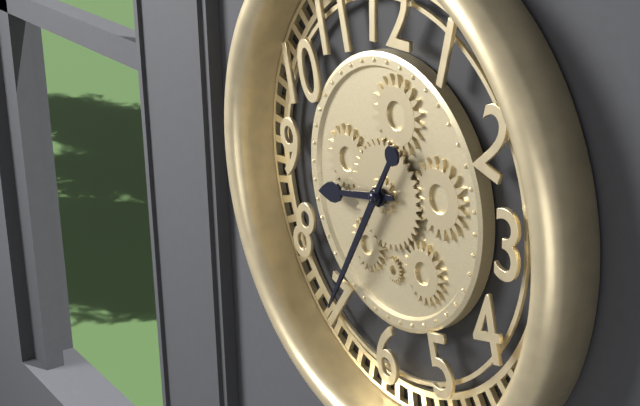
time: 8:35
